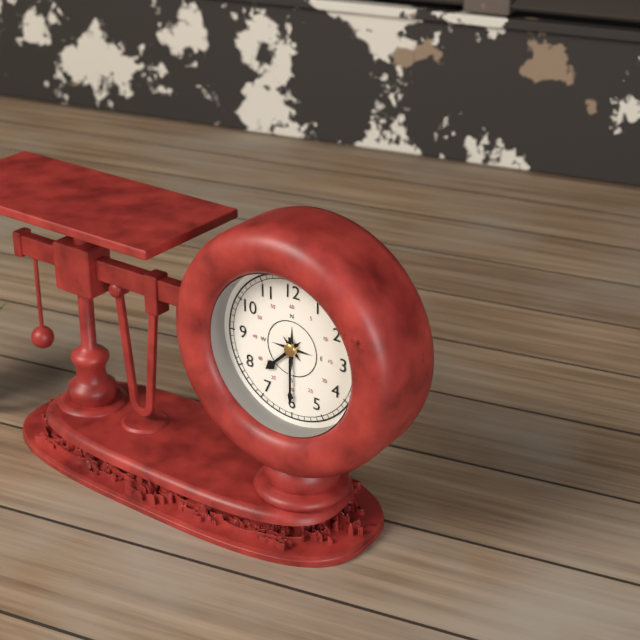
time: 7:30
